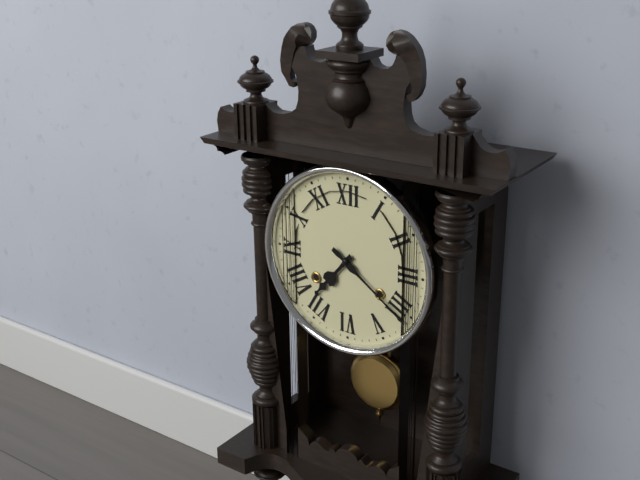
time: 7:21
